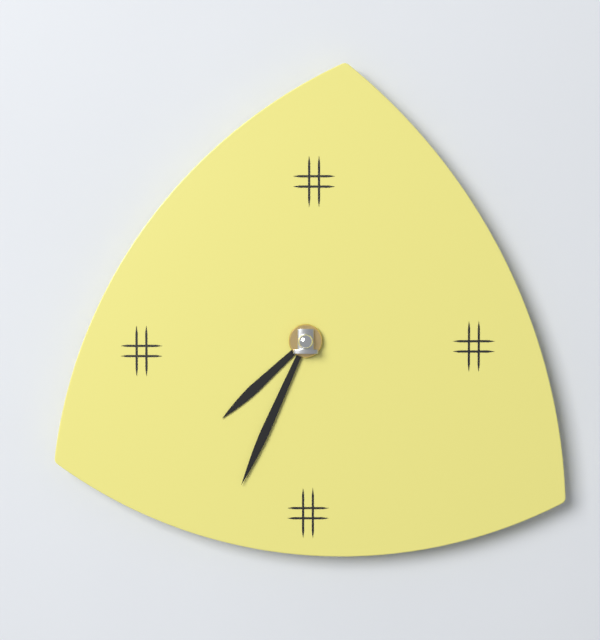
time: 7:34
